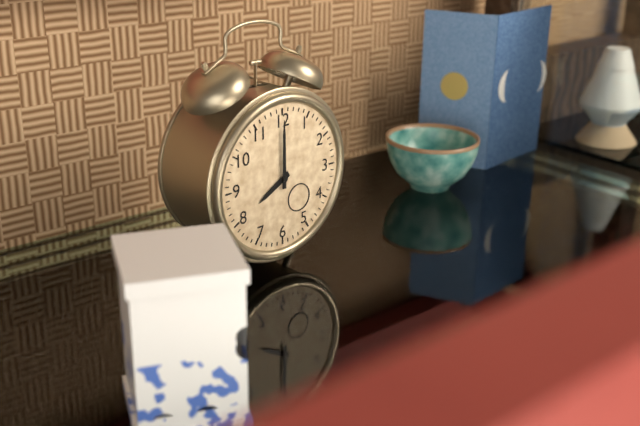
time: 8:00
